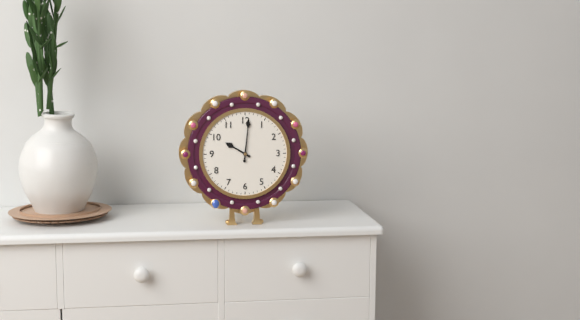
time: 10:01
